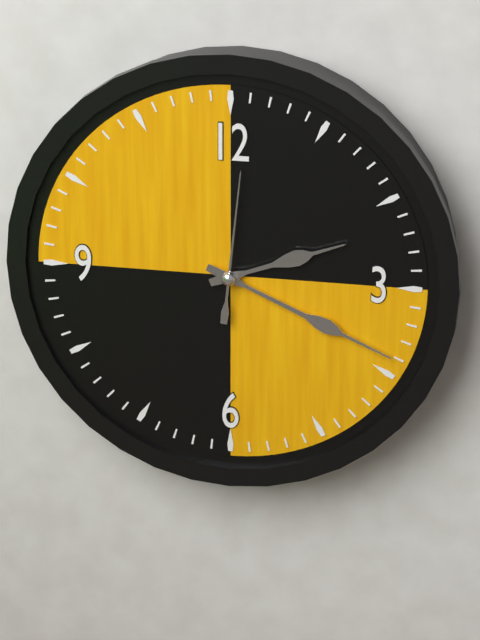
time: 2:19:01
